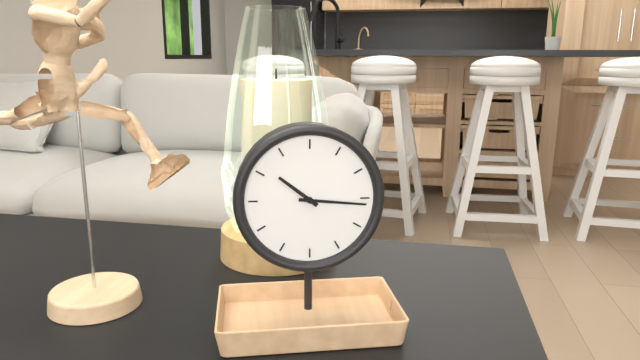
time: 10:16
